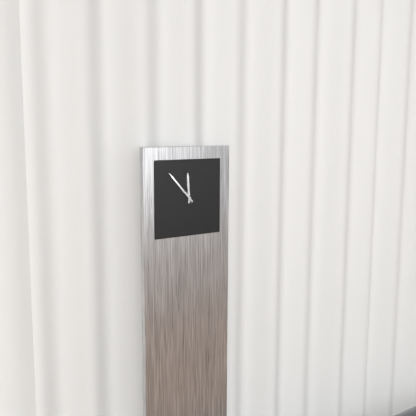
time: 11:53
